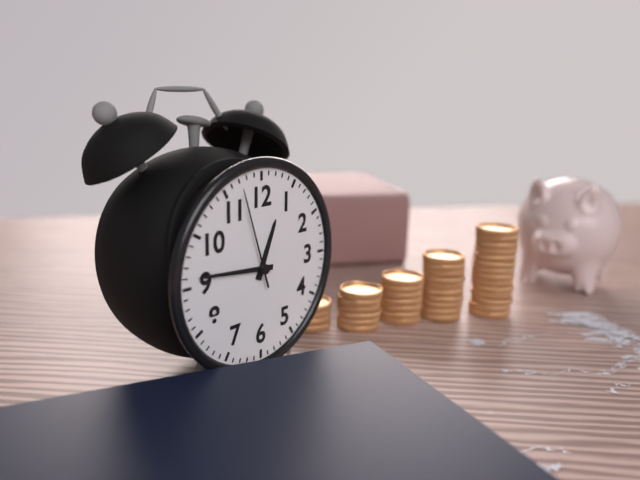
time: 12:46:57
